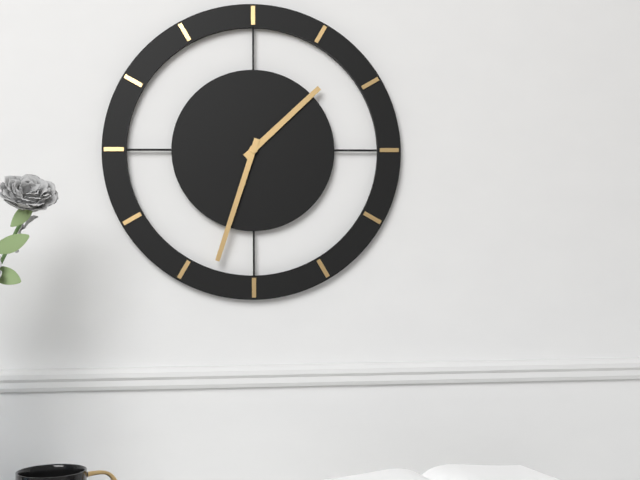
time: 1:33
